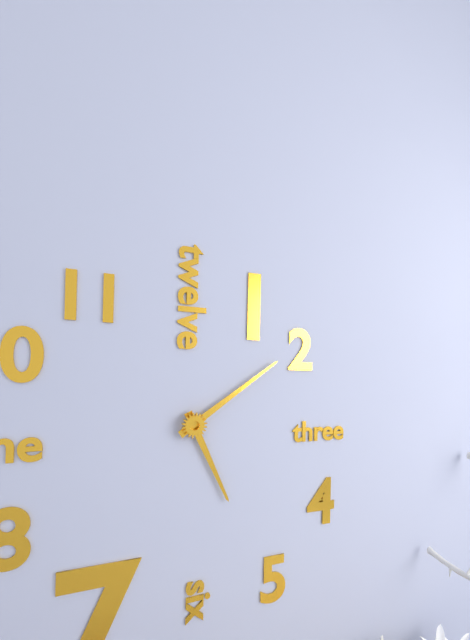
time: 5:09
